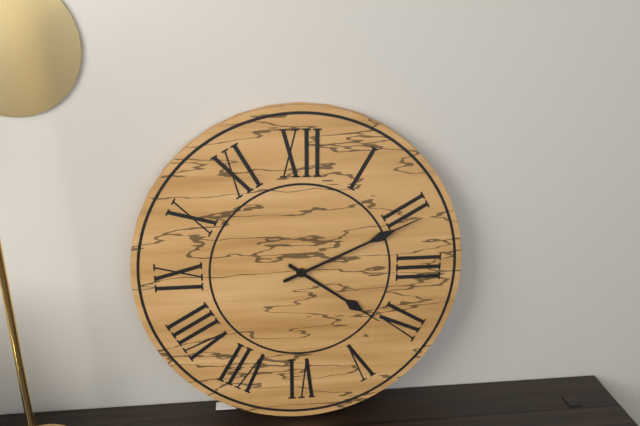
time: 4:11
